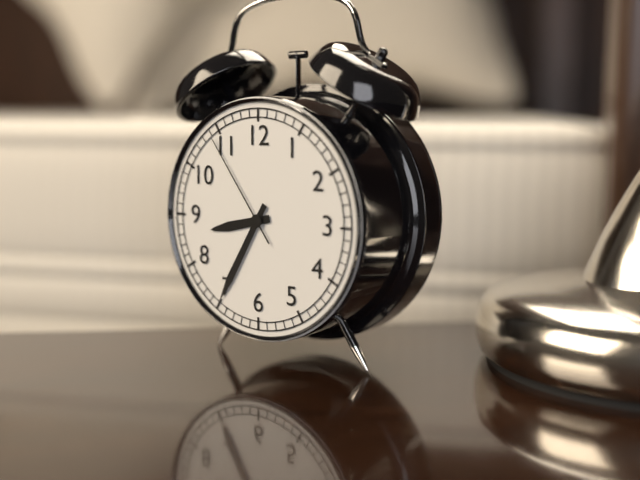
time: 8:35:54
